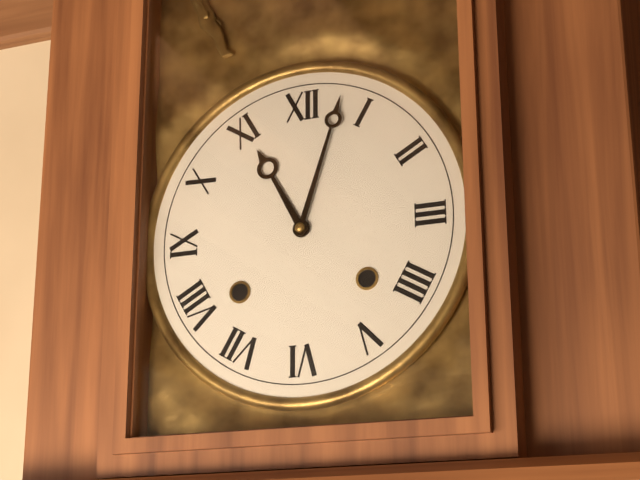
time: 11:03
